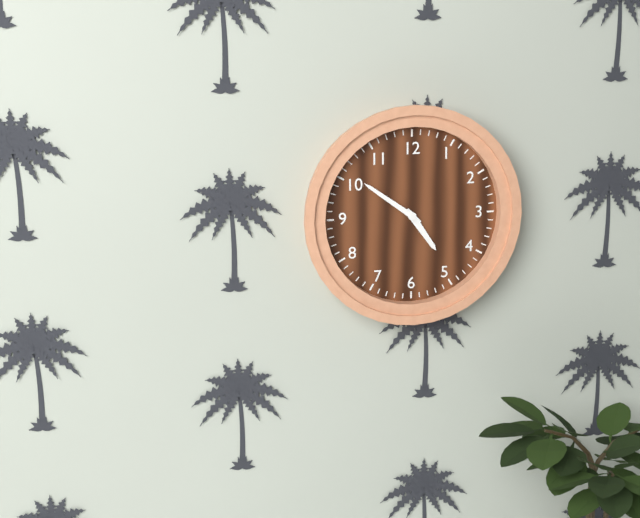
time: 4:51
